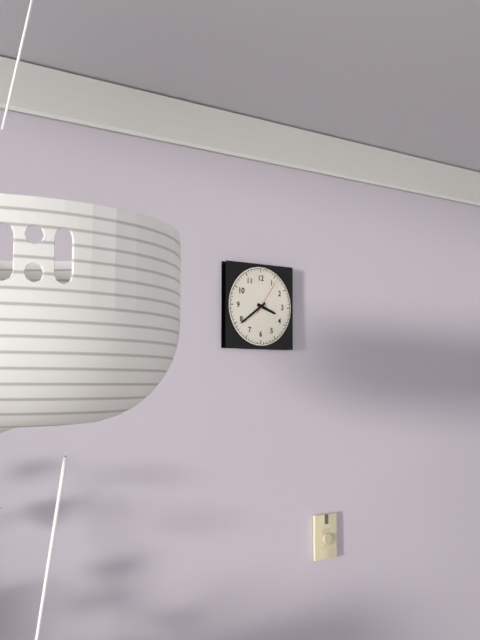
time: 3:39
